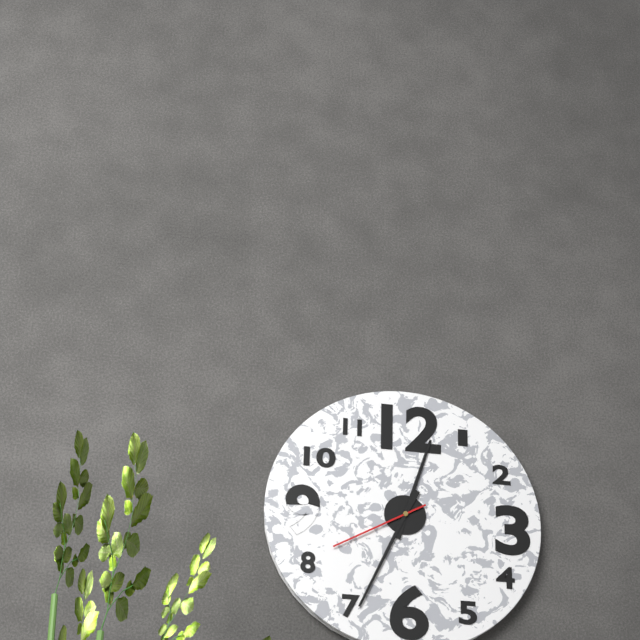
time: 12:34:40
